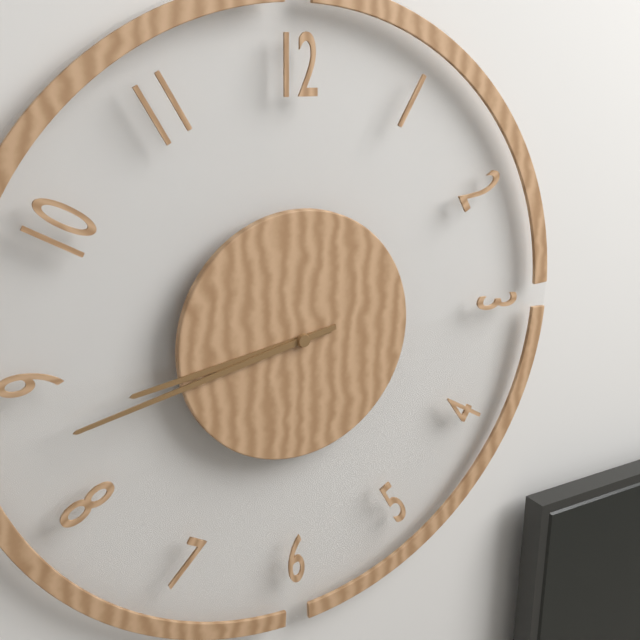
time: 8:43
